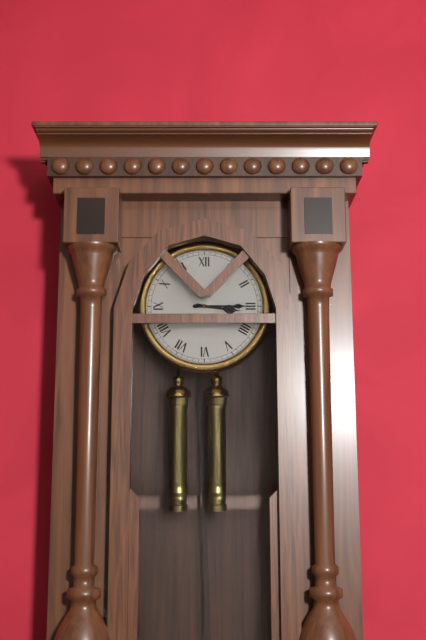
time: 3:15
